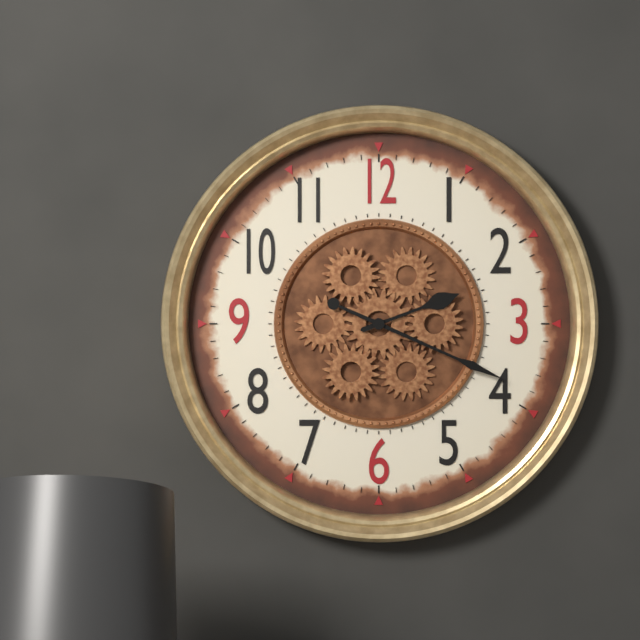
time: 2:19
